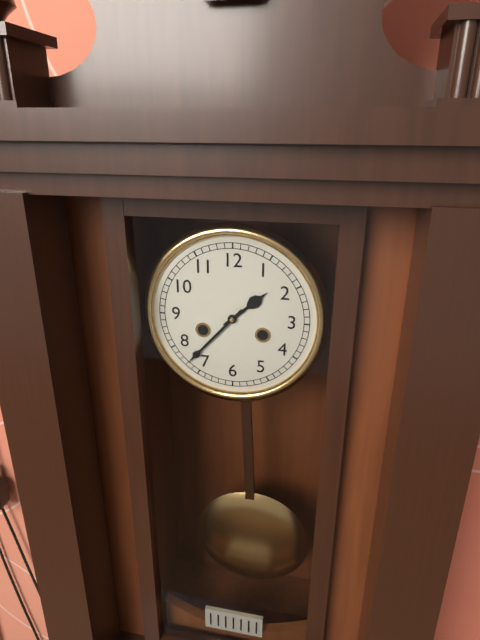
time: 1:37
